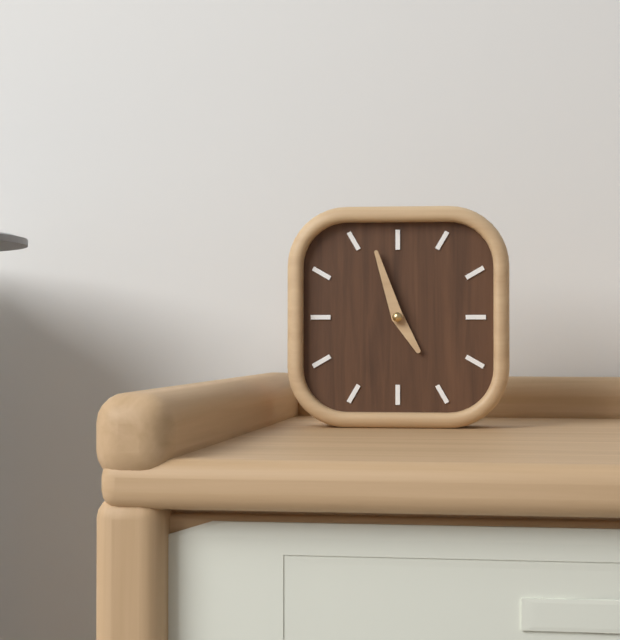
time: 4:57
